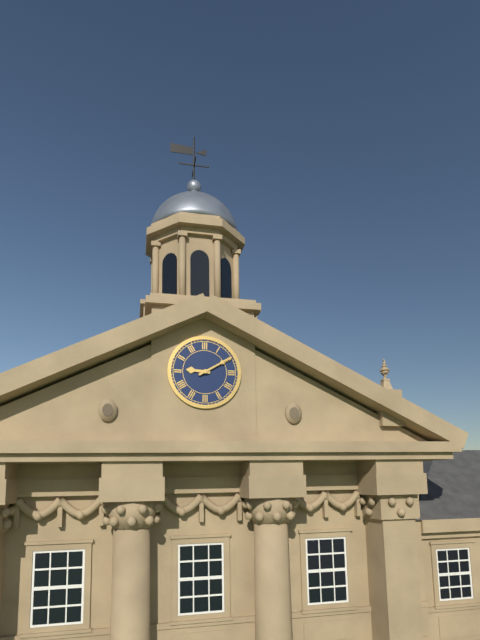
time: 9:10
